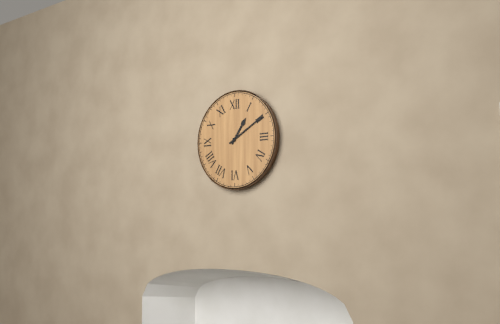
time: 1:10
